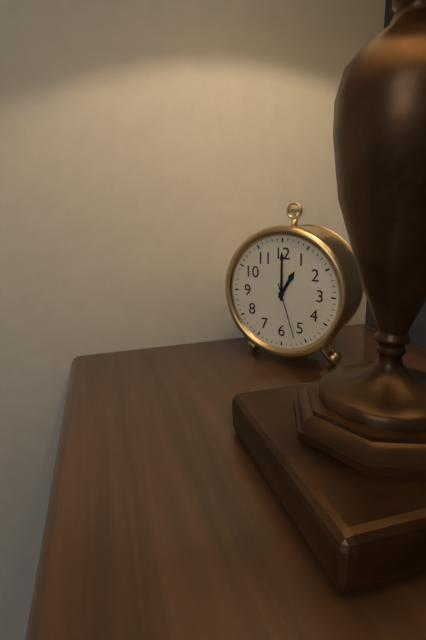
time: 1:00:27
